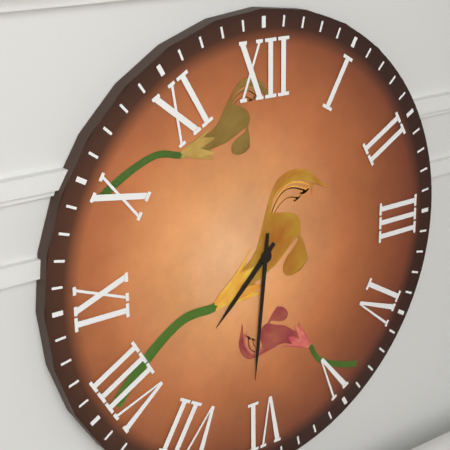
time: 7:31
